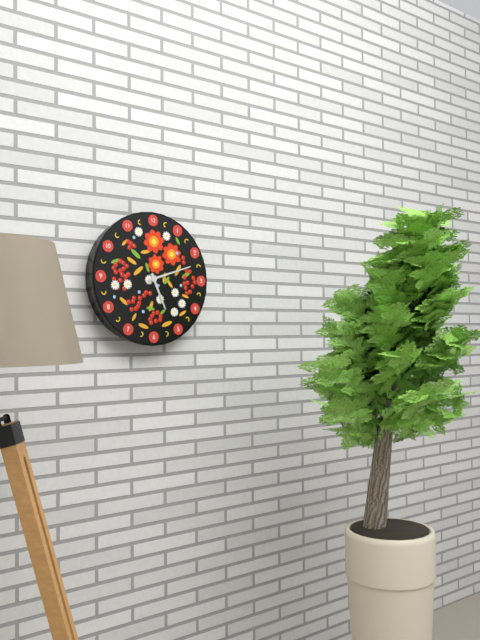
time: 5:12
